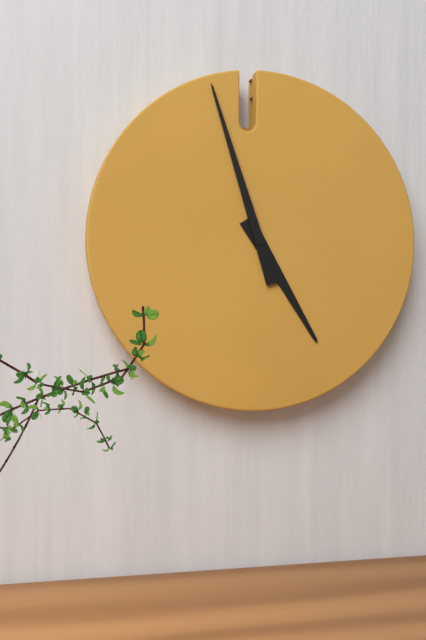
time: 4:57
